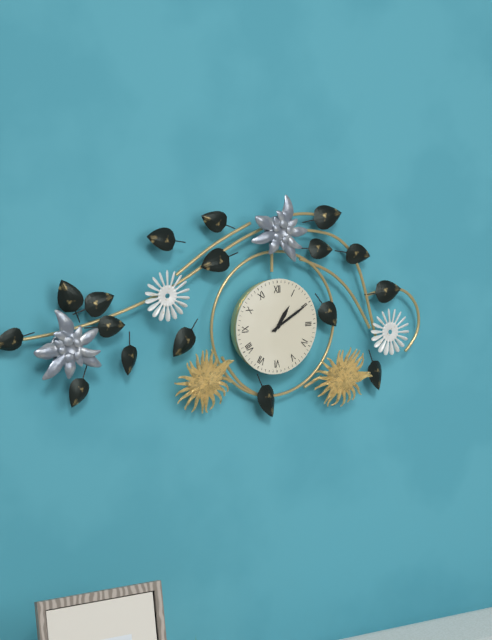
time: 1:10
